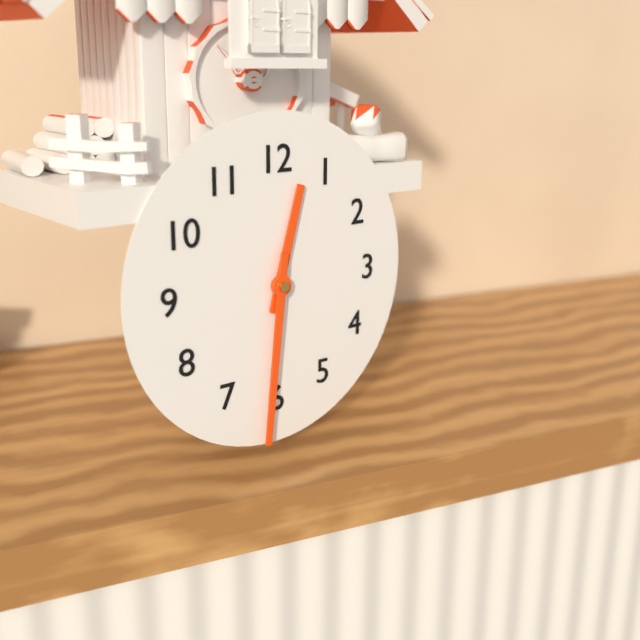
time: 12:31
